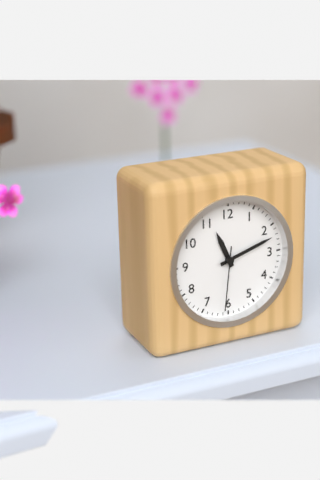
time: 11:12:31
